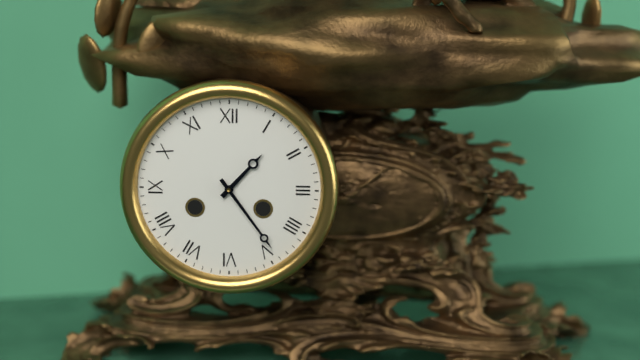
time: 1:24
